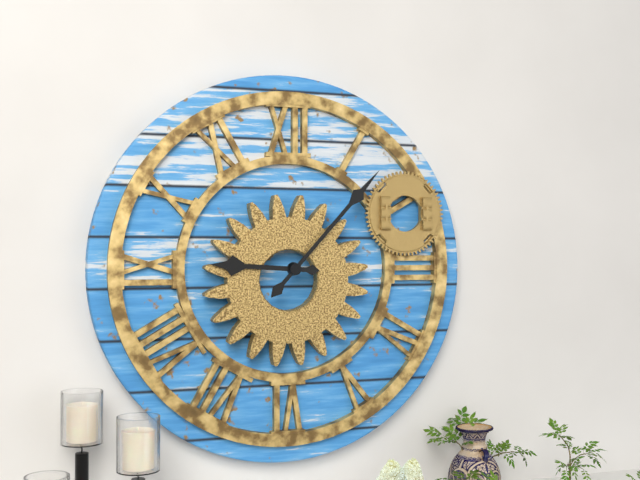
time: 9:07
